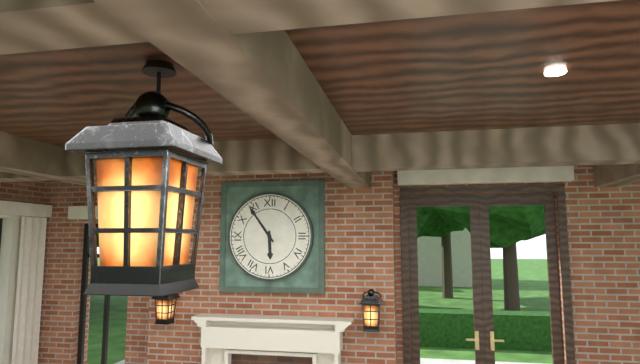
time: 5:54
